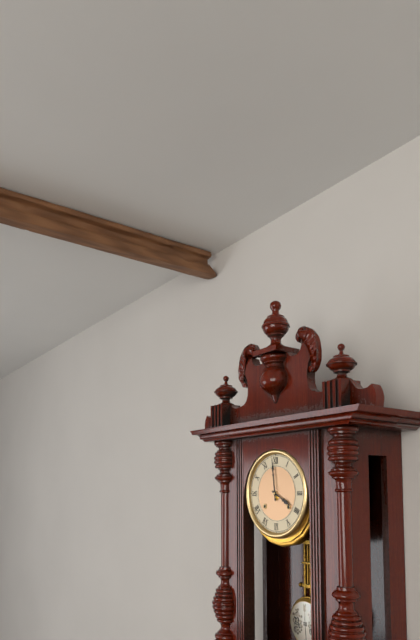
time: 3:59
